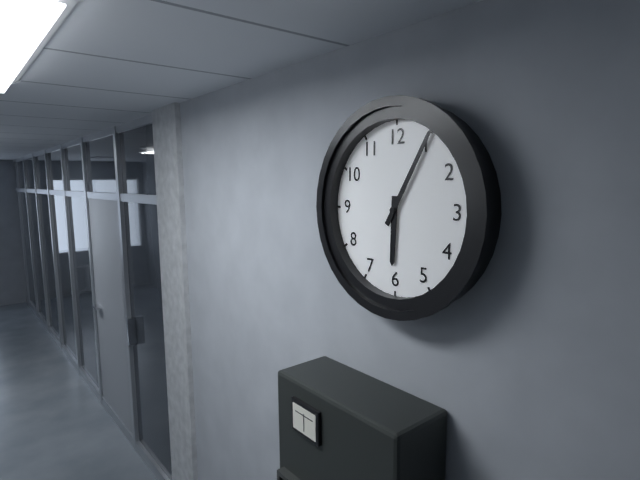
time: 6:05
